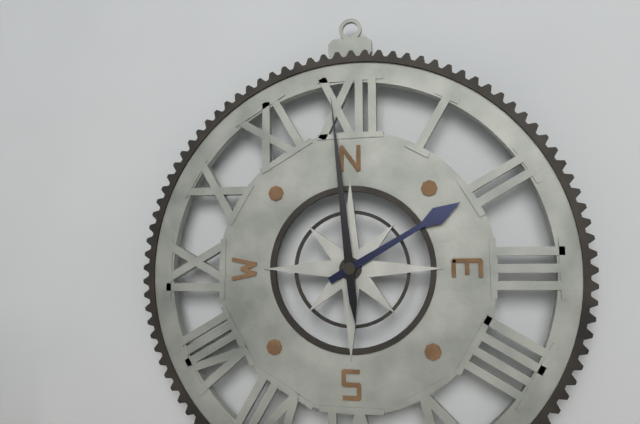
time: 1:59
